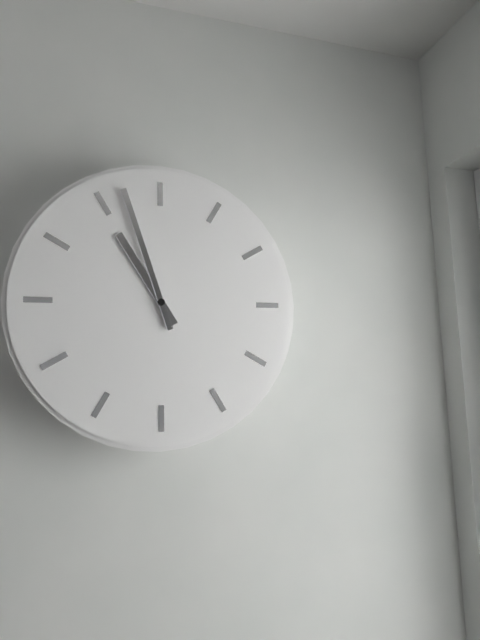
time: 10:57
